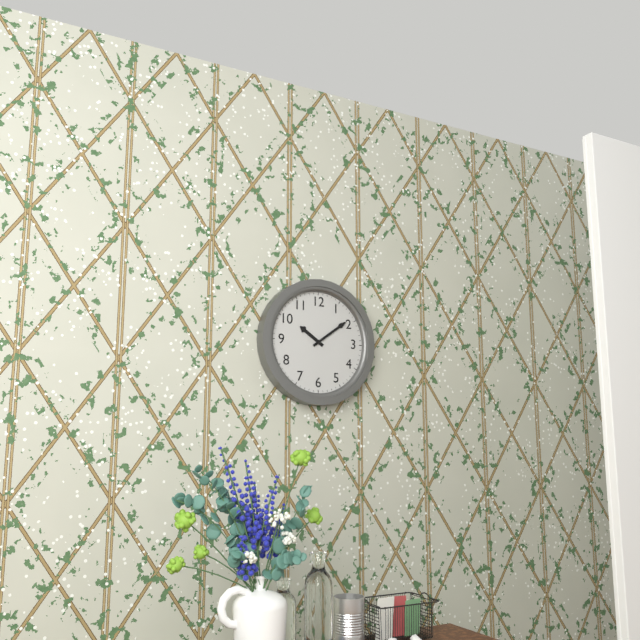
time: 10:09
